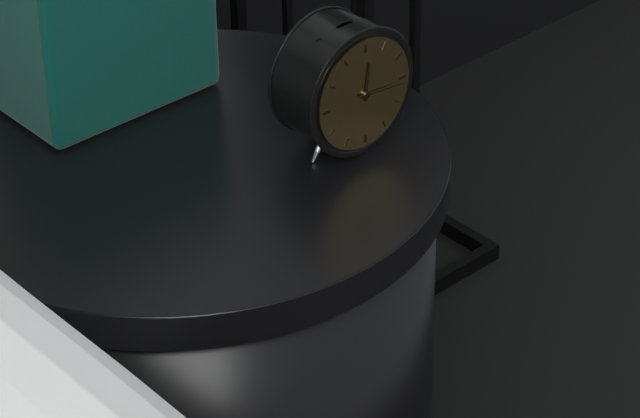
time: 12:16
